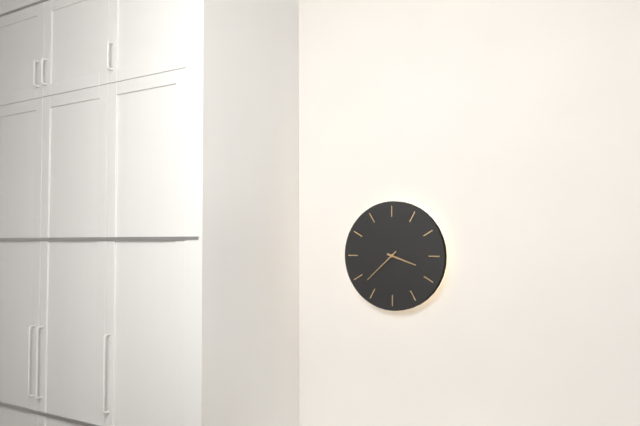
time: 3:38
